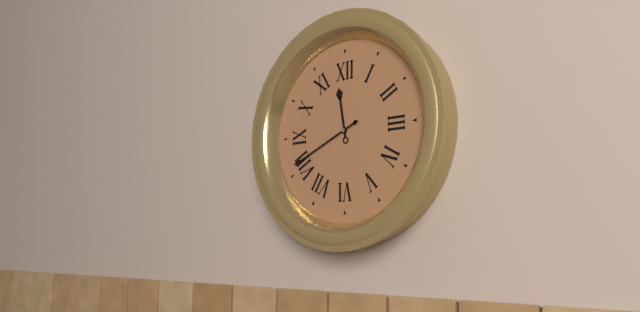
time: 11:41
